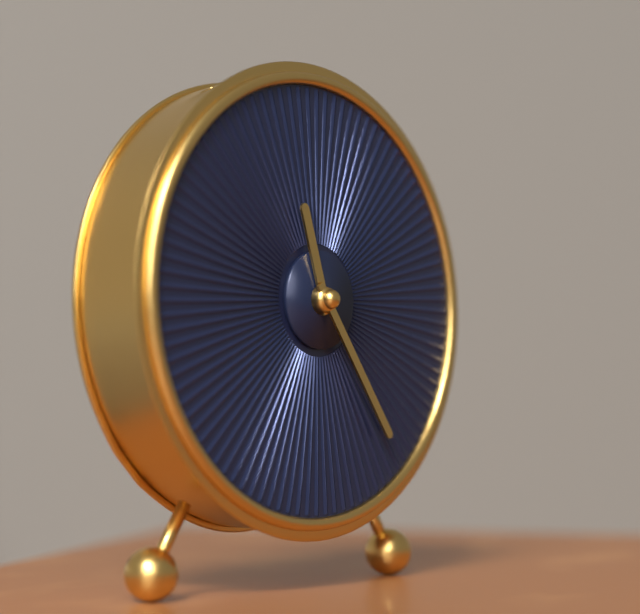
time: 11:24
